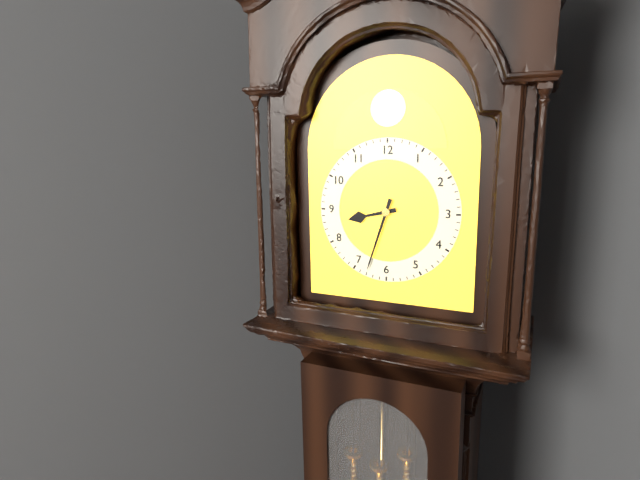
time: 8:33
